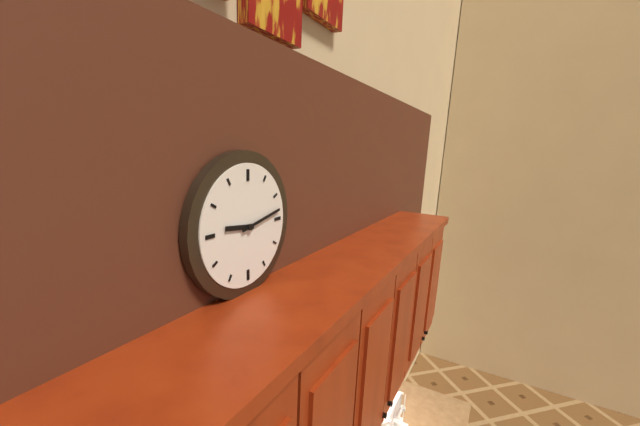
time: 9:13
